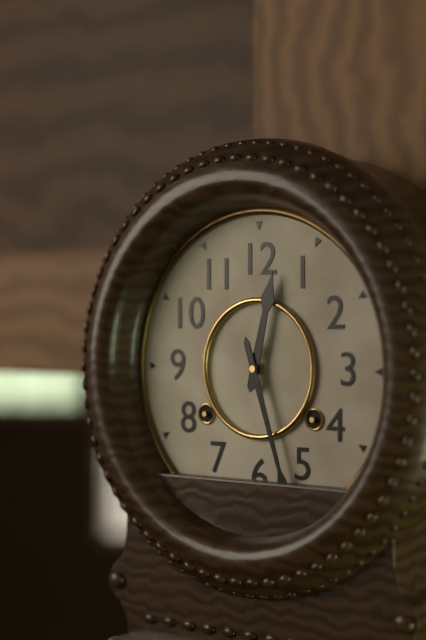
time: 12:27
